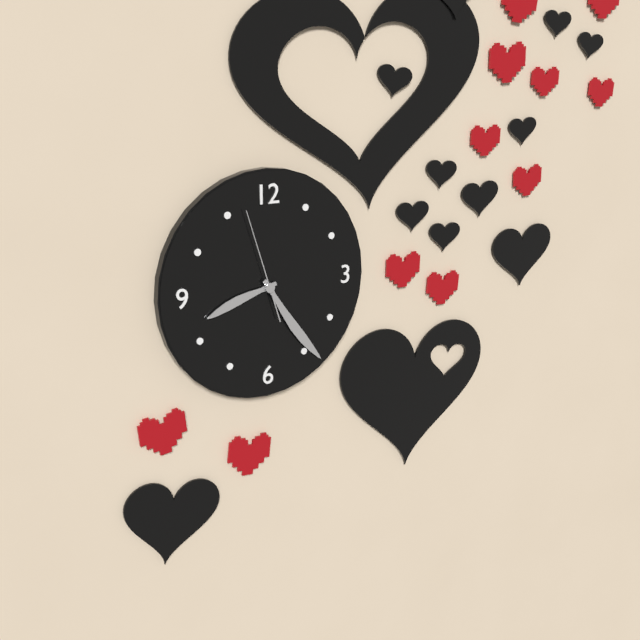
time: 8:24:57
